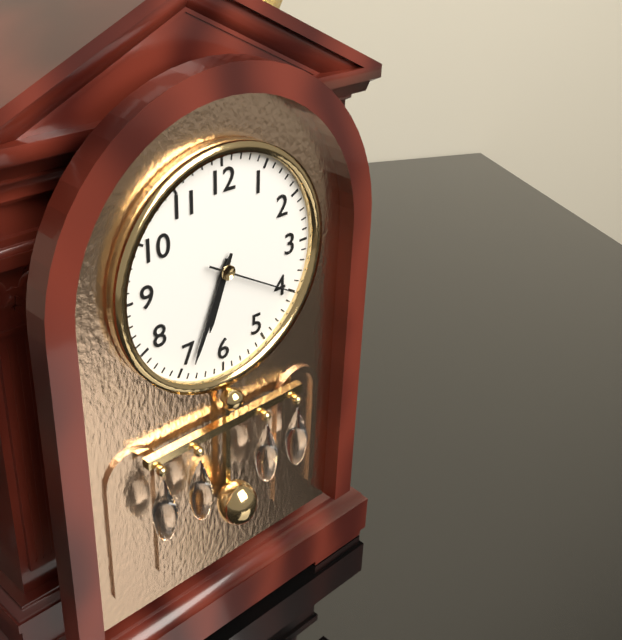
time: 6:34:20
